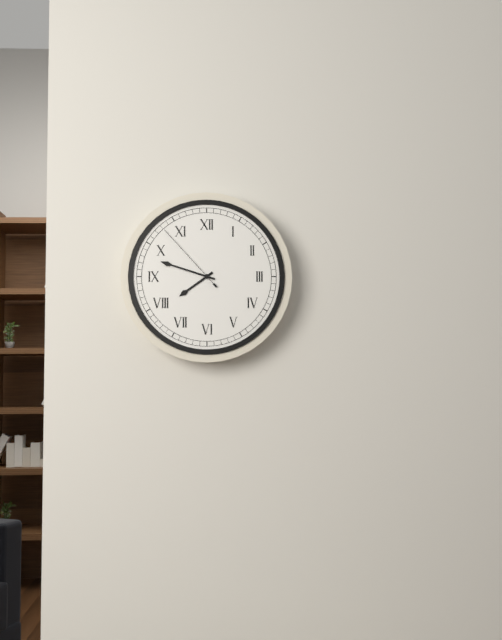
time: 7:48:53
